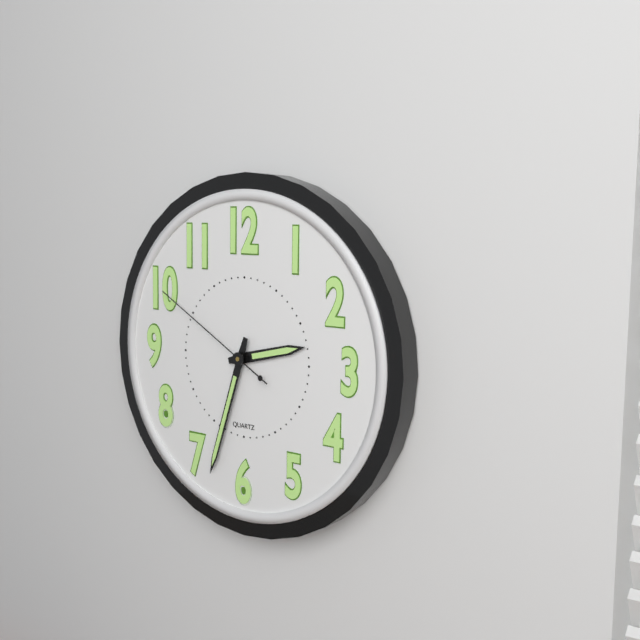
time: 2:33:50
